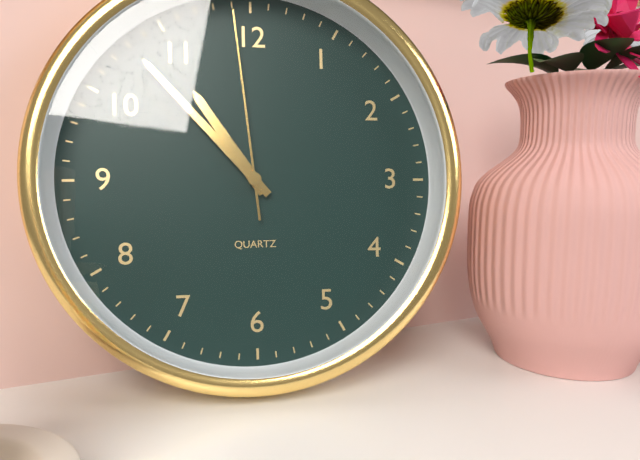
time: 10:53:59
